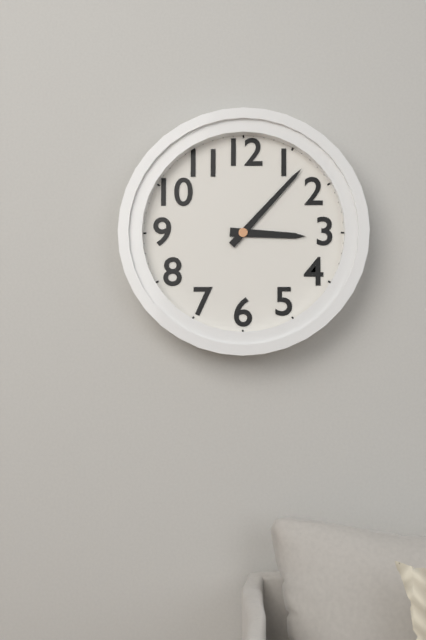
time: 3:07
